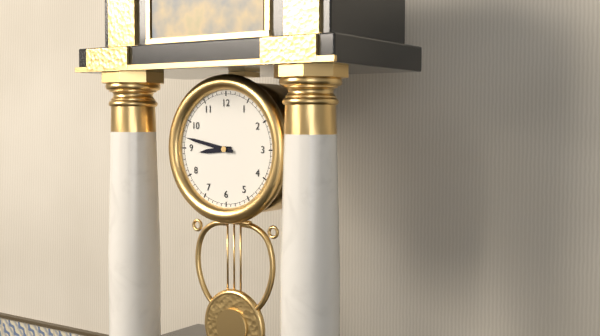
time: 8:47
